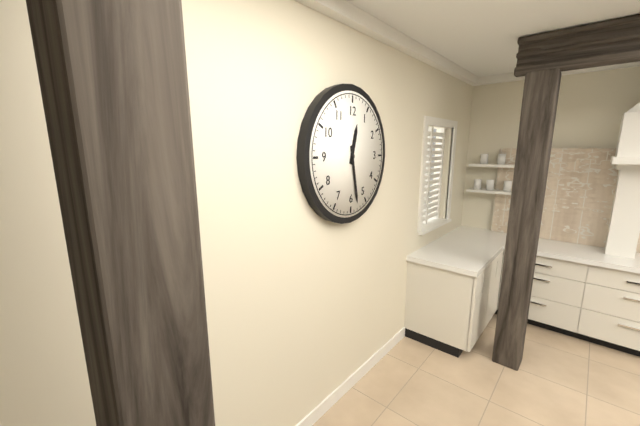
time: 12:28
